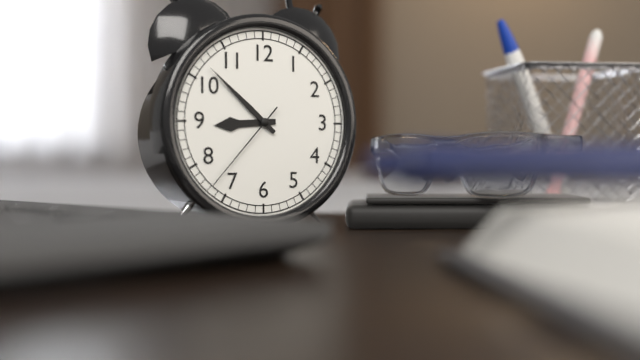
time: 8:52:37
